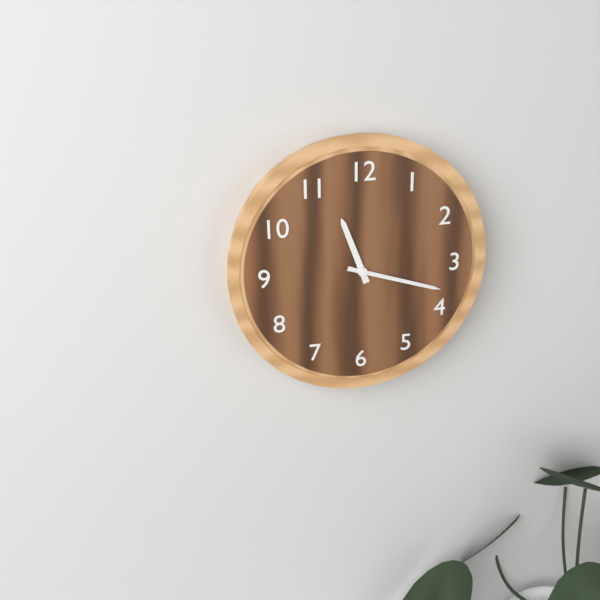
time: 11:18
